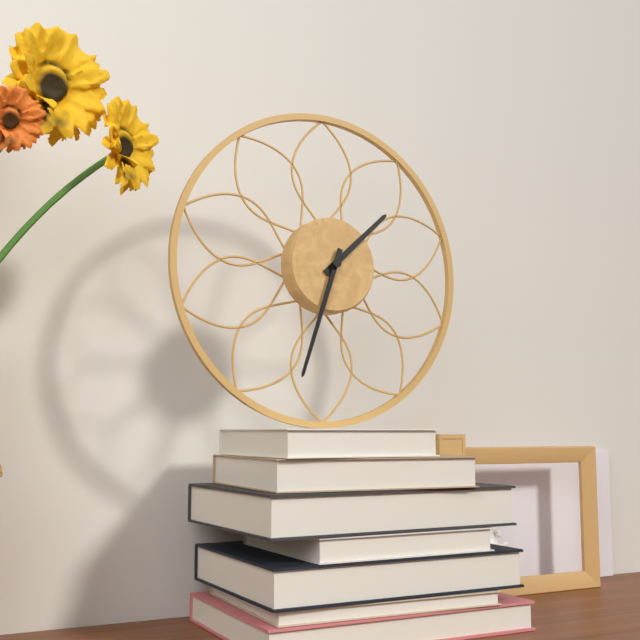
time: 1:33
